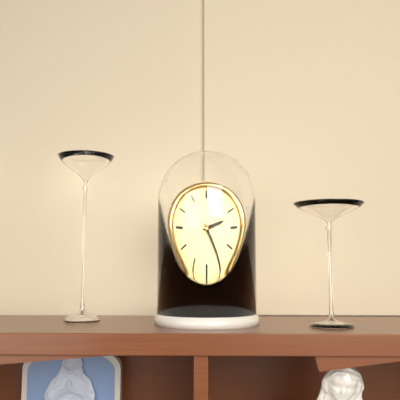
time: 2:25
